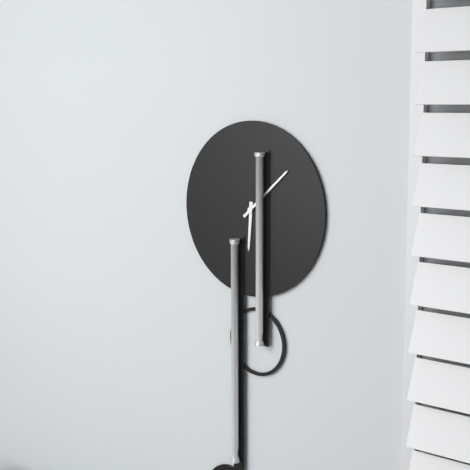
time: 6:08
